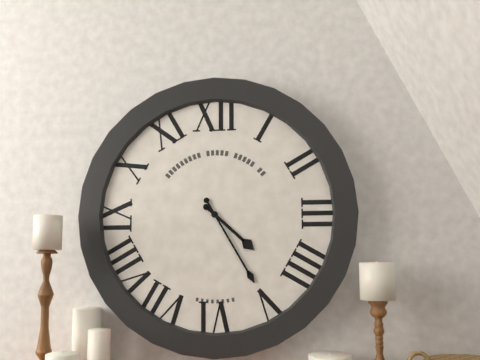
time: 4:25
